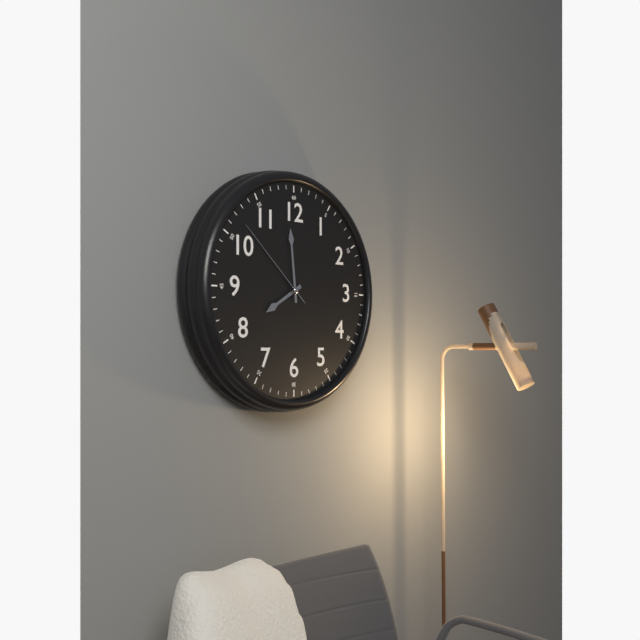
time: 7:59:52
